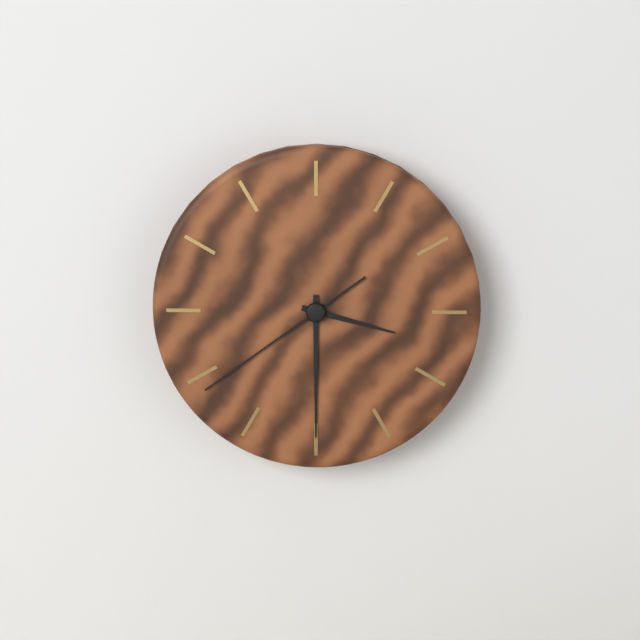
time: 3:30:39
